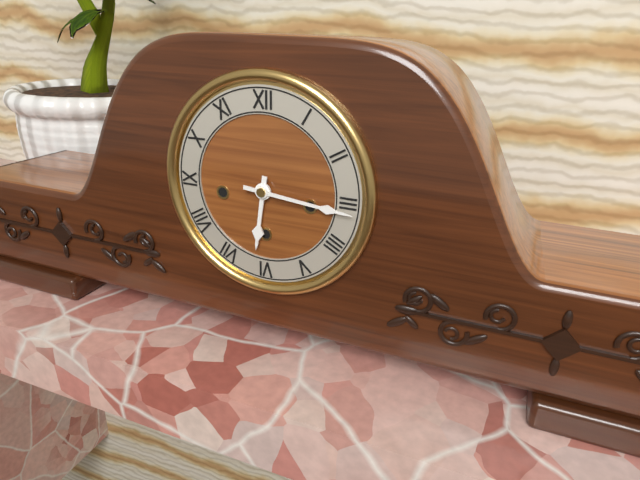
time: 6:16
